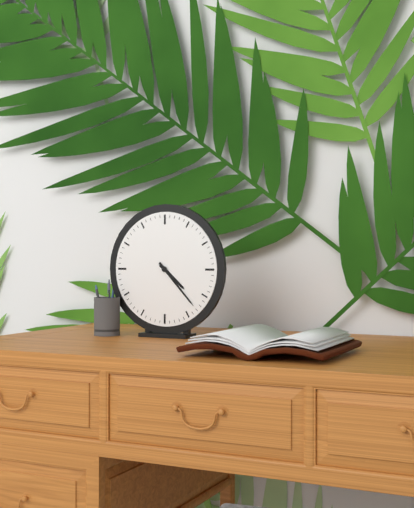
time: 4:23
